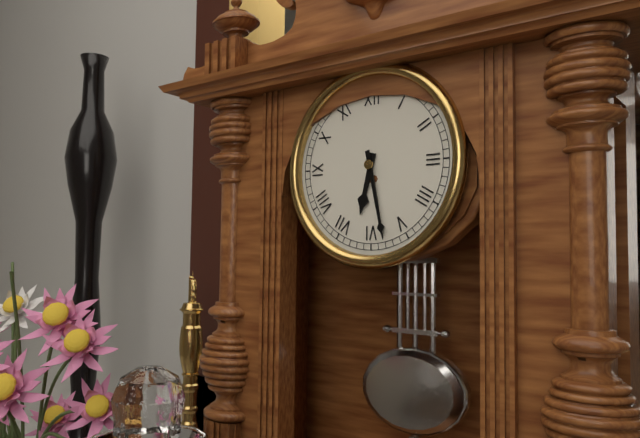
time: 6:28
